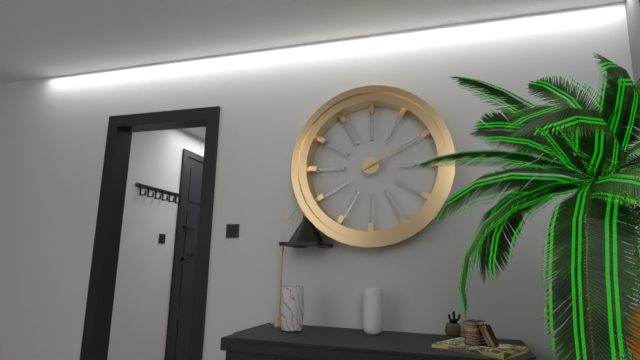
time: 2:10
